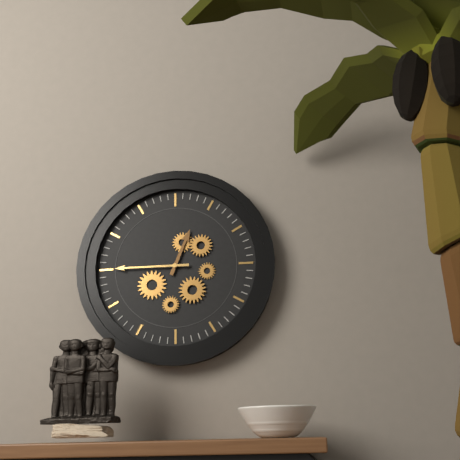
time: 12:45
